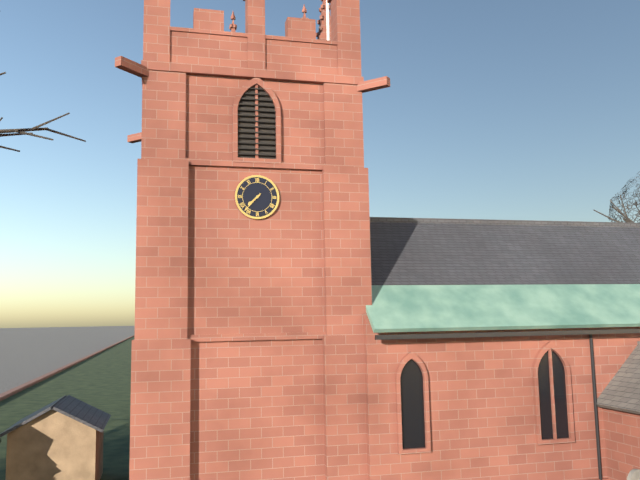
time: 7:37
